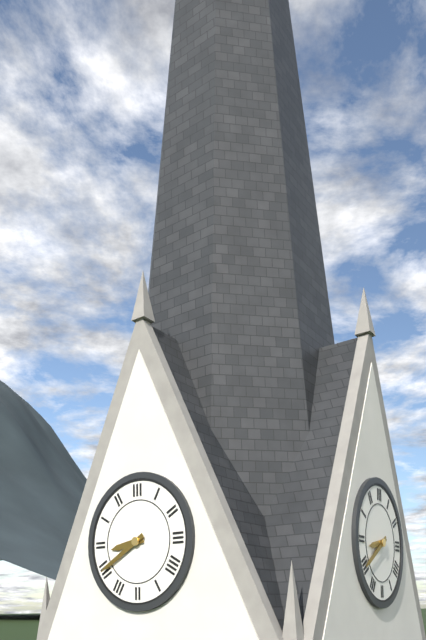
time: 8:40
